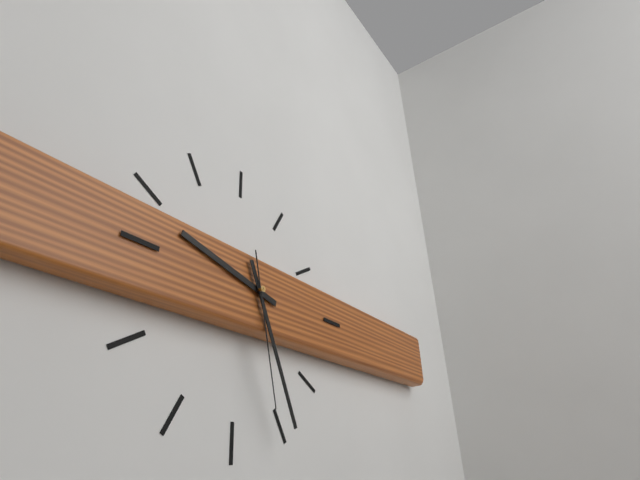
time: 9:26:28
